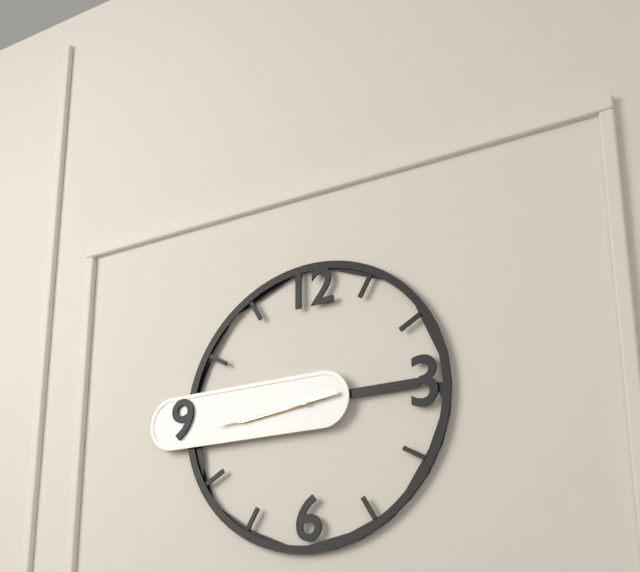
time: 8:44
